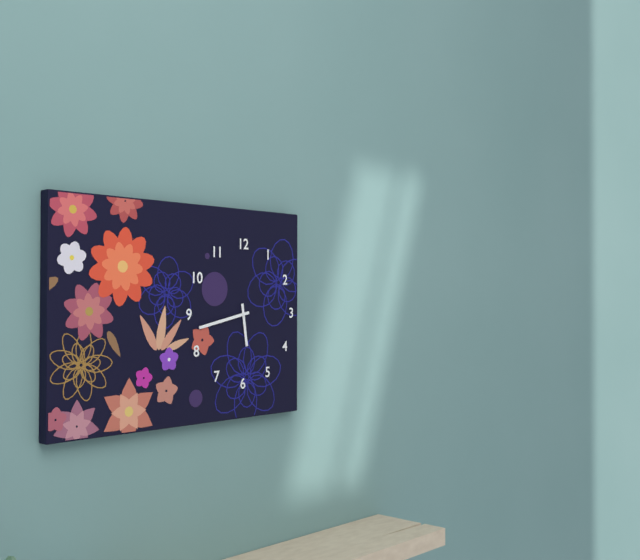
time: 5:43
